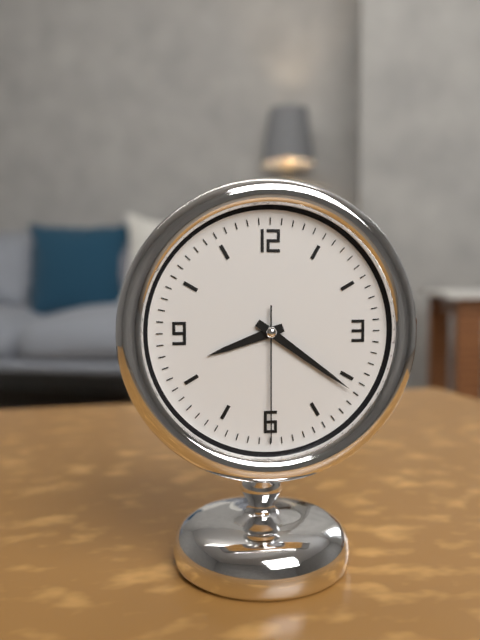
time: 8:21:30
